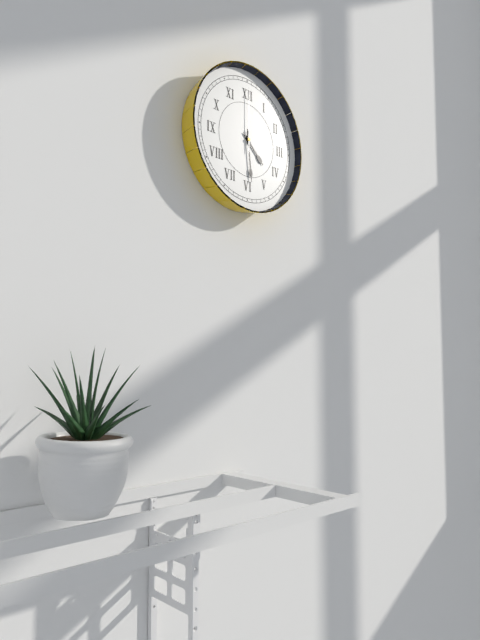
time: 4:29:00
